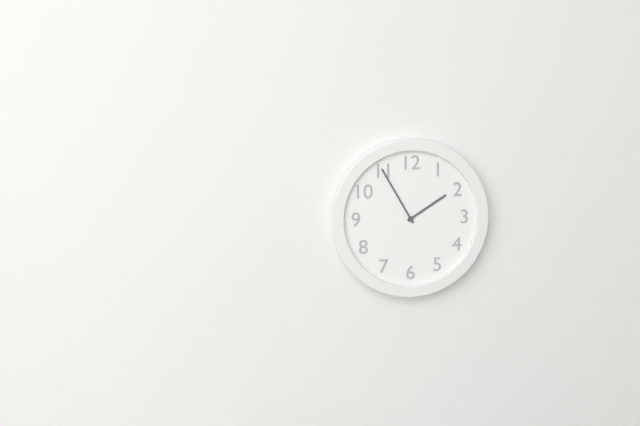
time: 1:55
